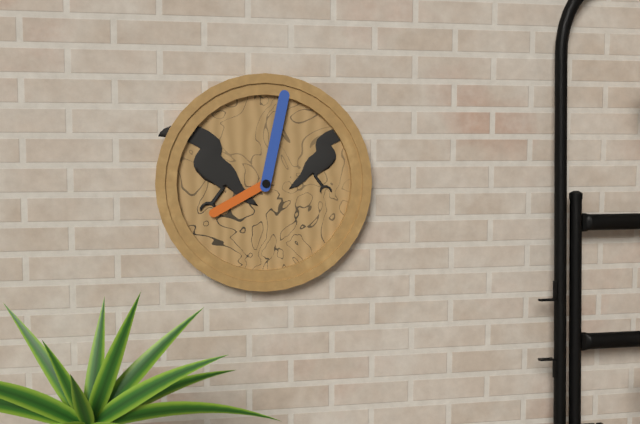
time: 8:02
